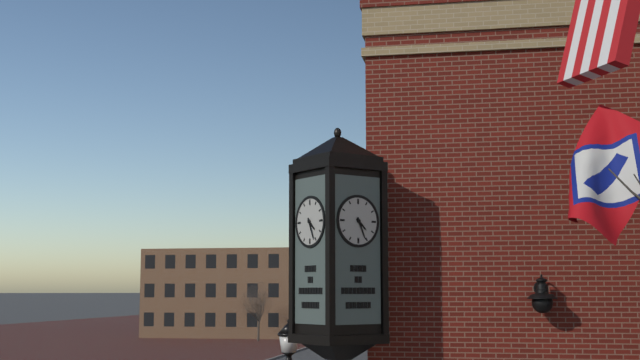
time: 4:26
